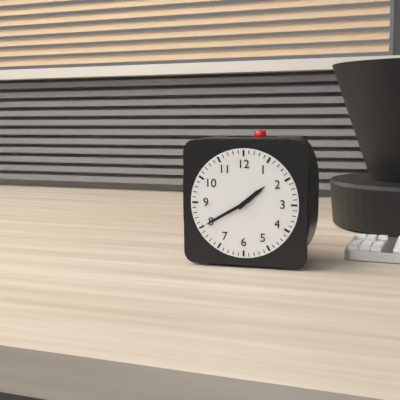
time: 1:40
